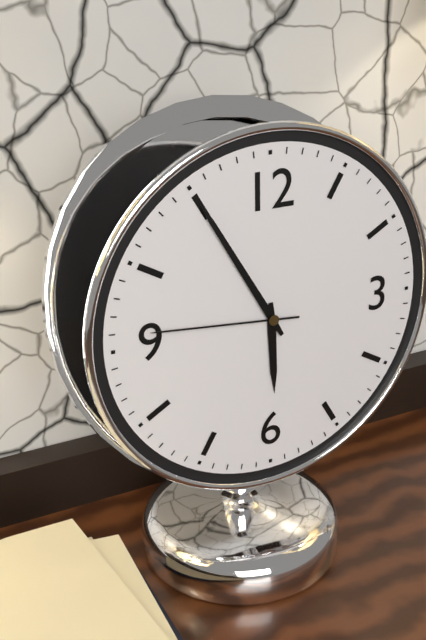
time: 5:55:46
